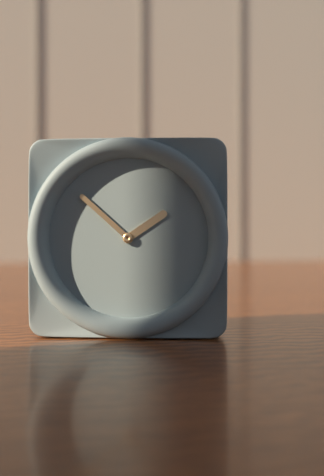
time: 1:52
